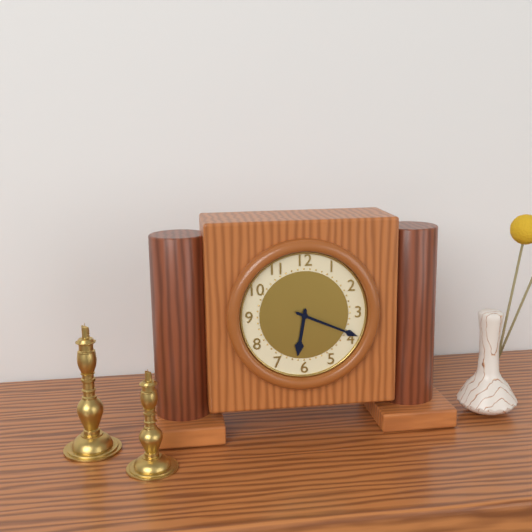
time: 6:19
